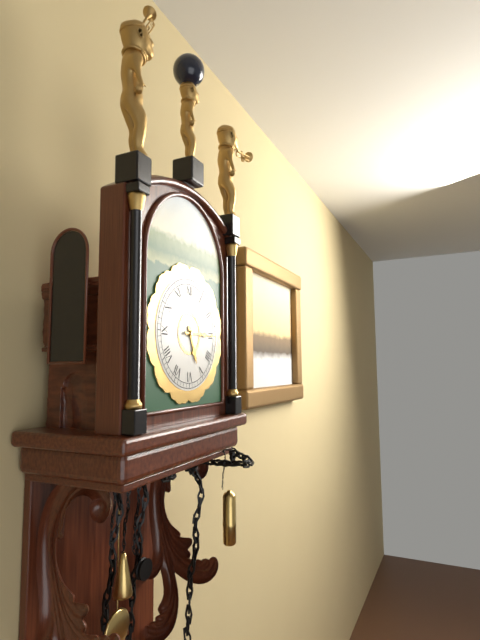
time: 5:15
